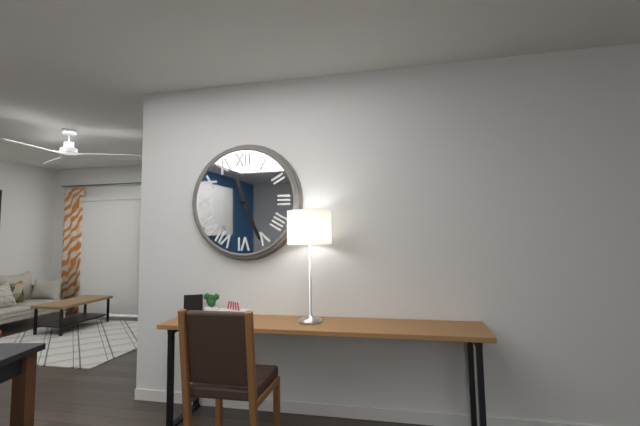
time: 11:26
